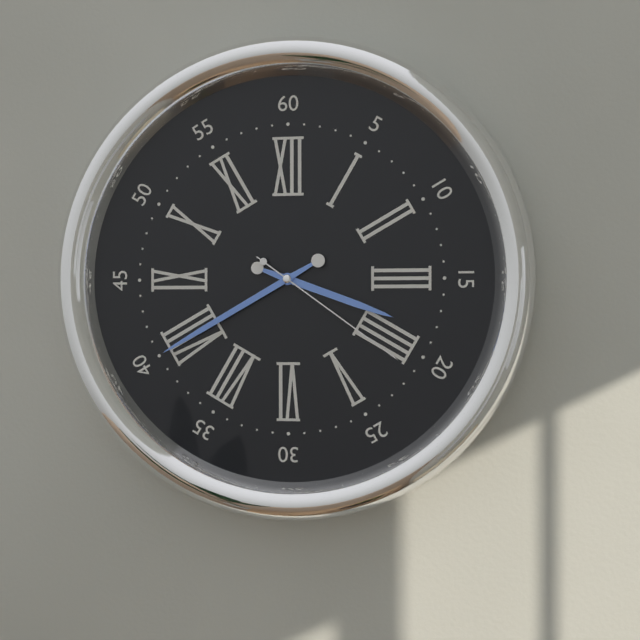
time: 3:40:21
